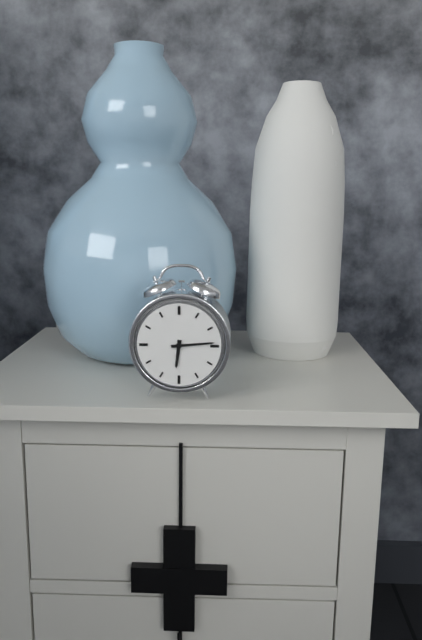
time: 6:14
